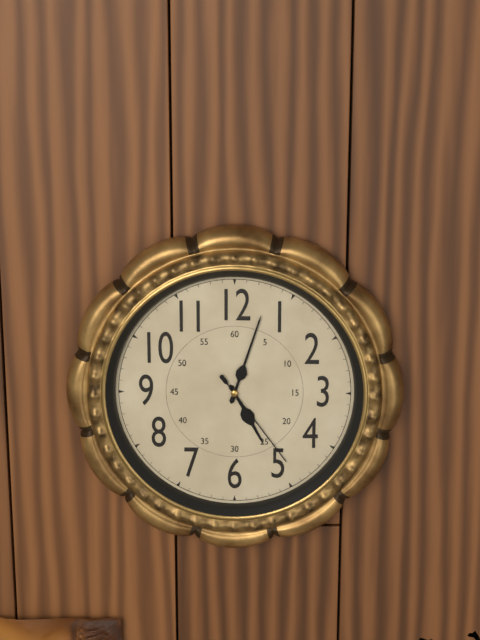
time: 5:03:24
